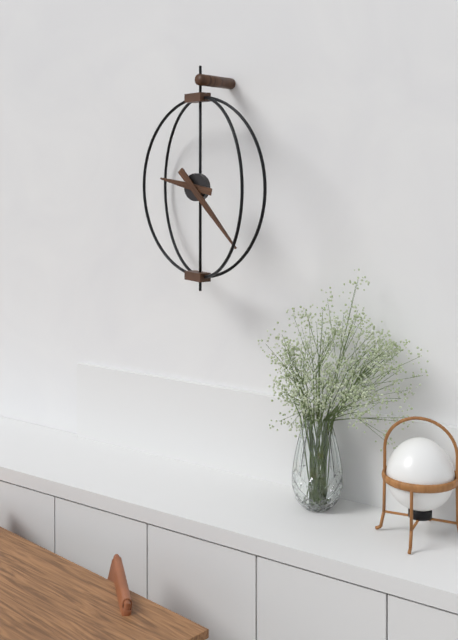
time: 9:23
